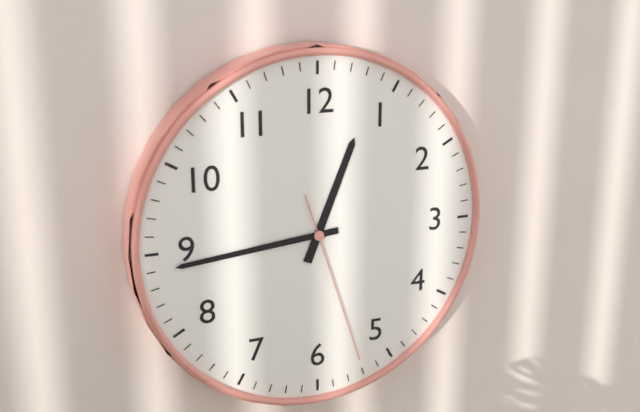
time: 12:44:27
